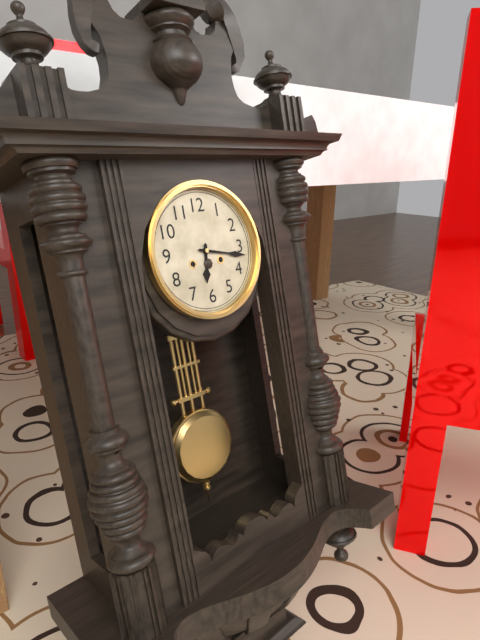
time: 6:17
